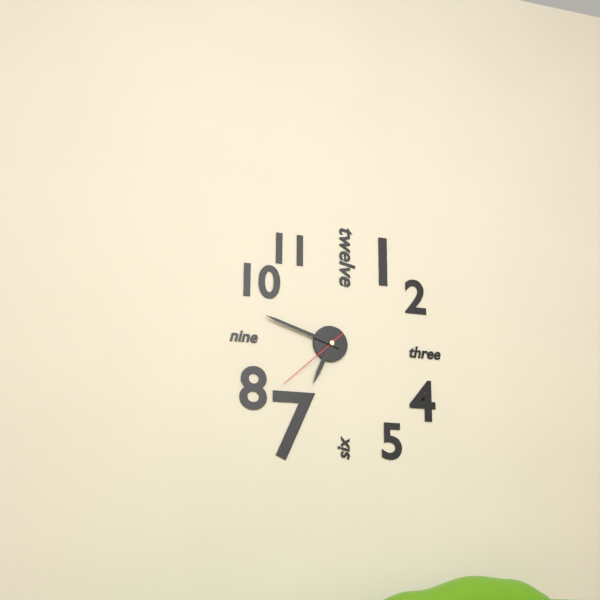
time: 6:48:38
